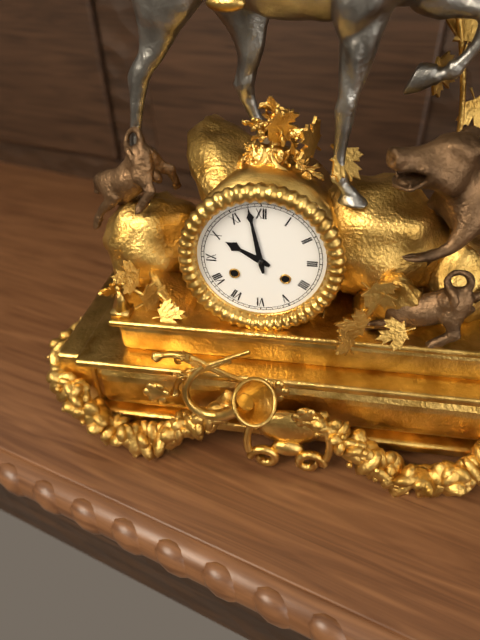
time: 9:58
